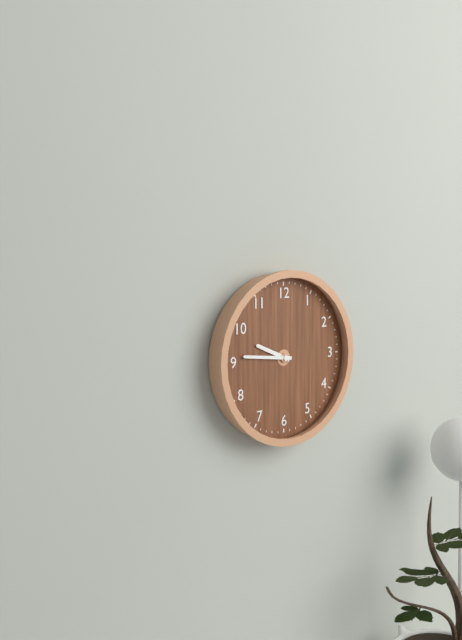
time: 9:46
